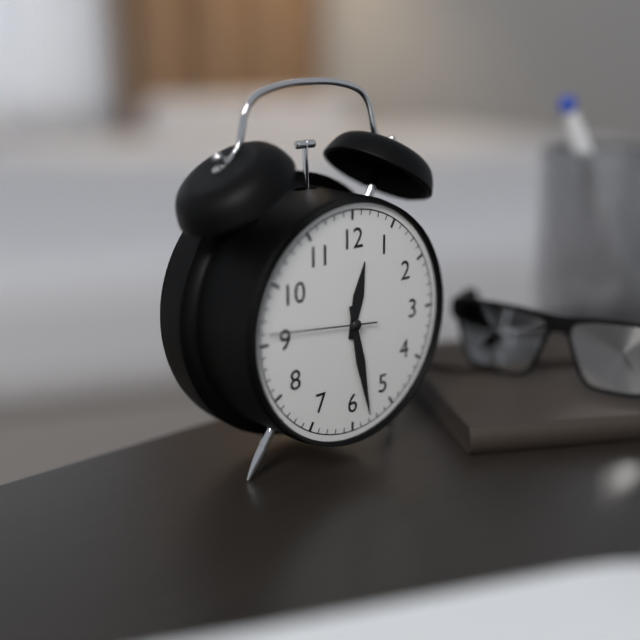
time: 12:28:46
